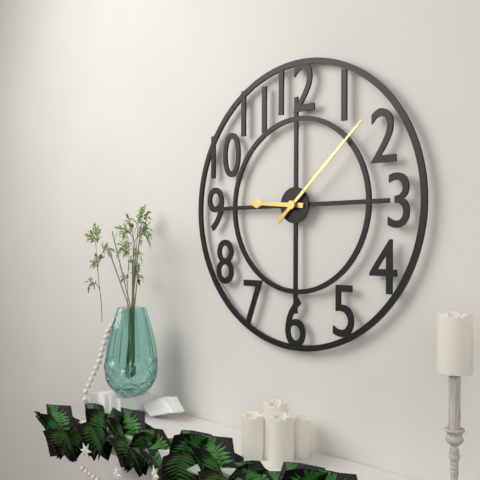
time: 9:08
